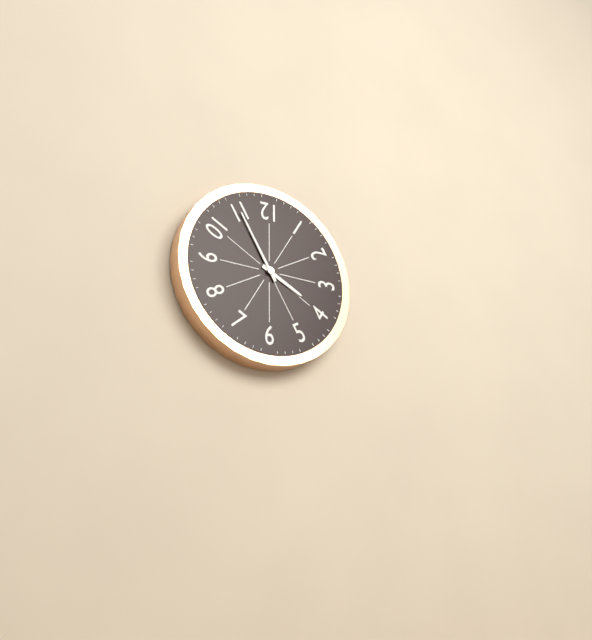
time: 3:55
